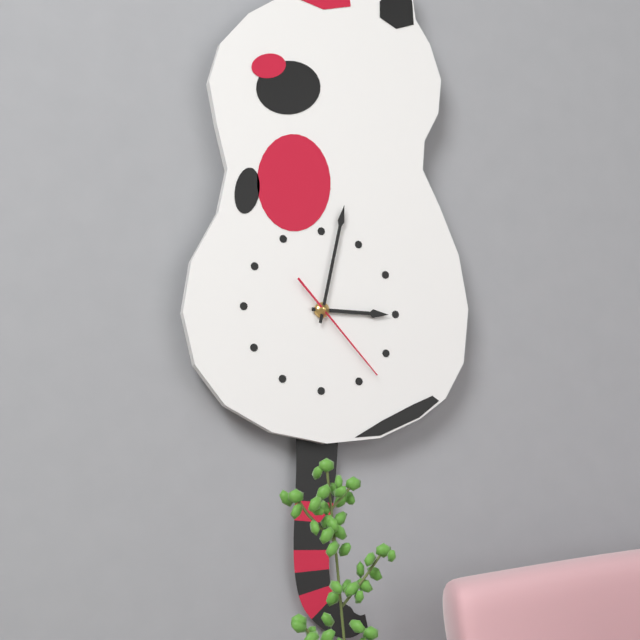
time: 3:02:23
